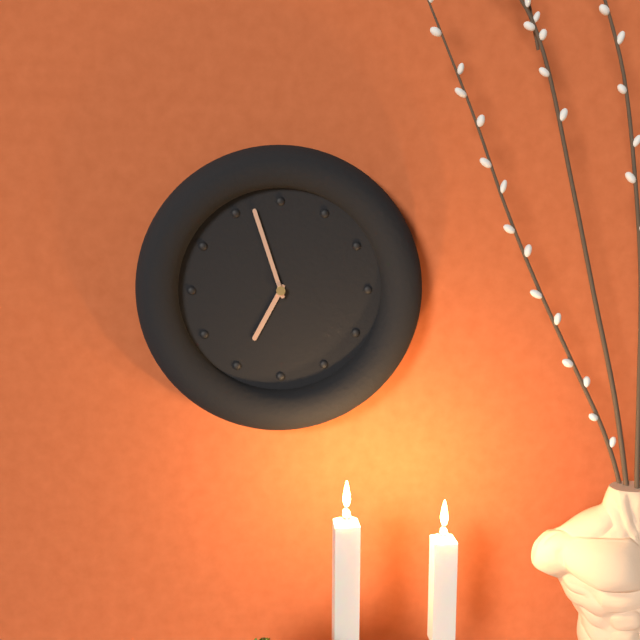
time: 6:57
